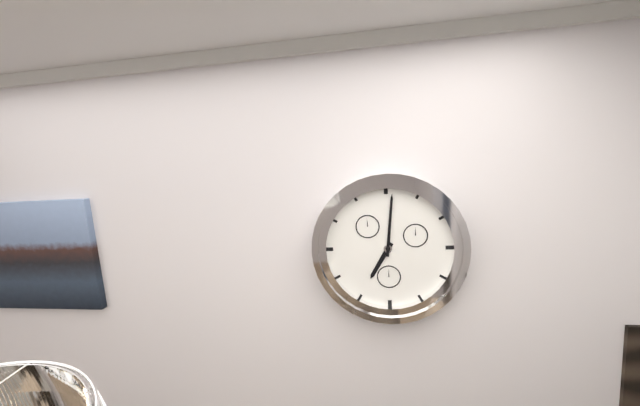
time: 7:01
